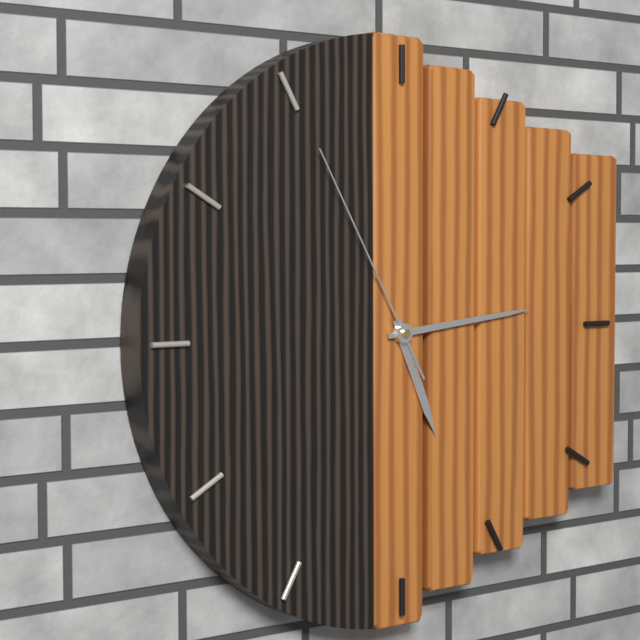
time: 5:14:55
